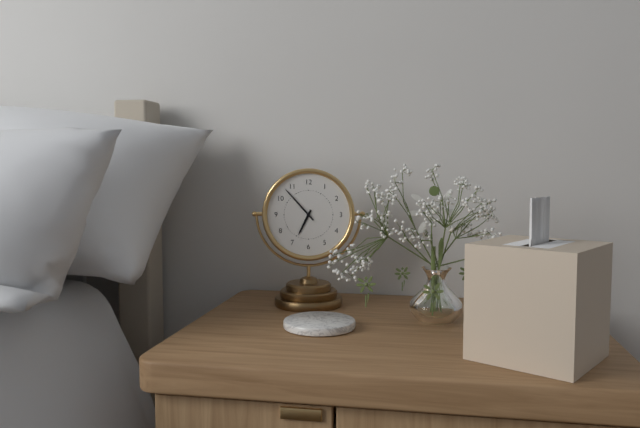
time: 6:53
